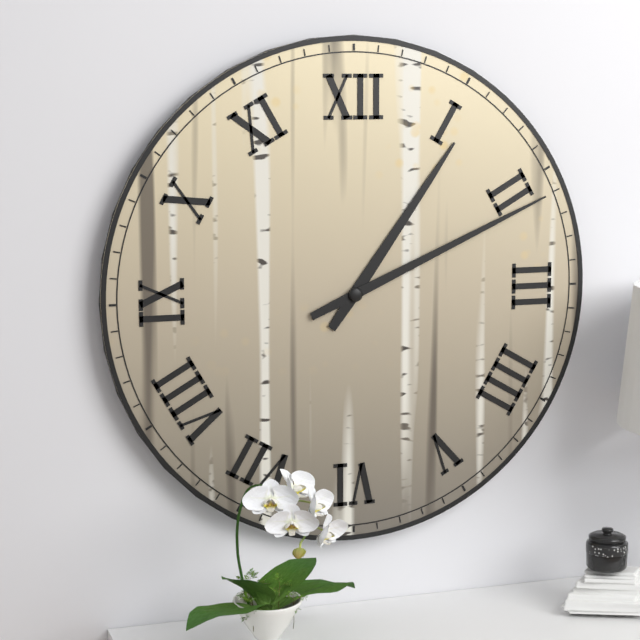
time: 1:11
